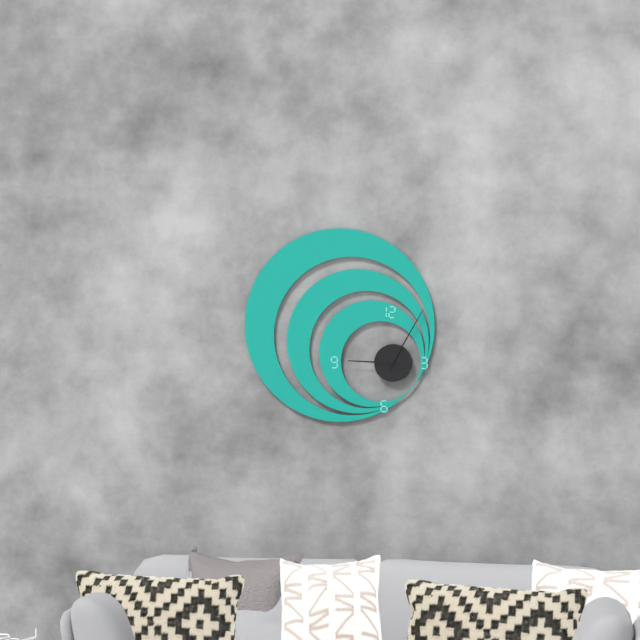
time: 9:05
